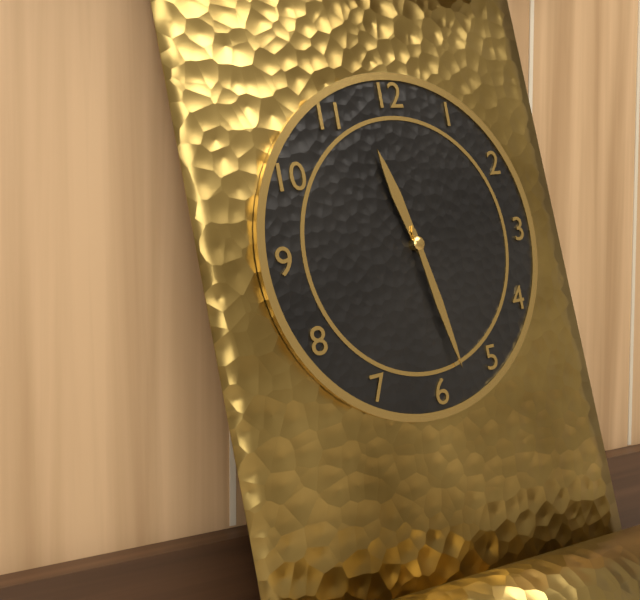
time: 11:28
